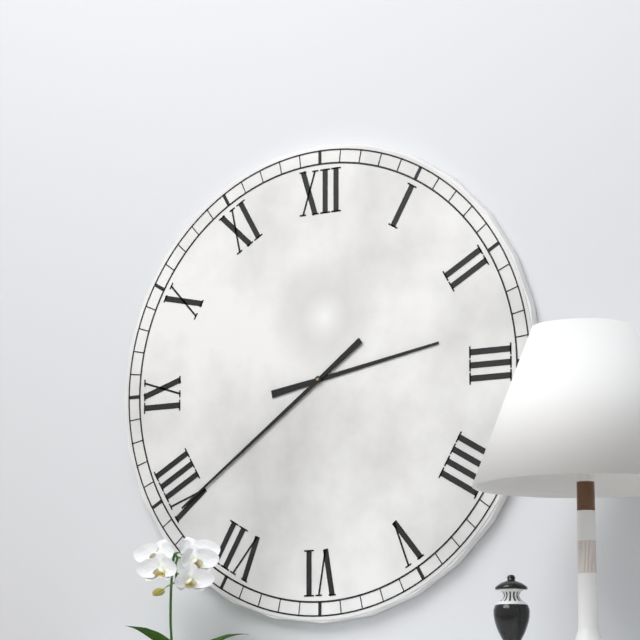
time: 2:39
